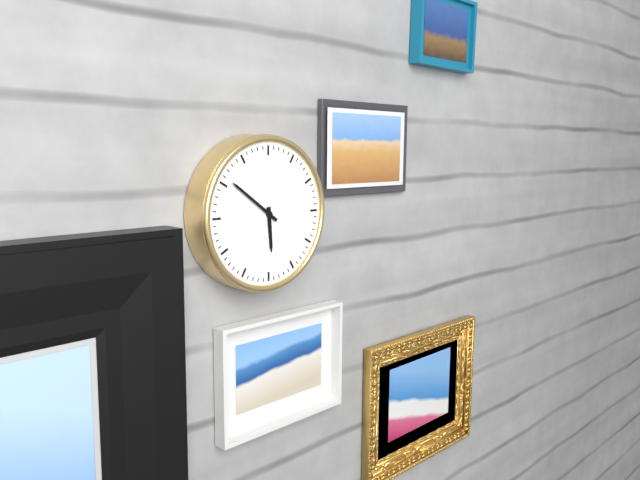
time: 5:51
